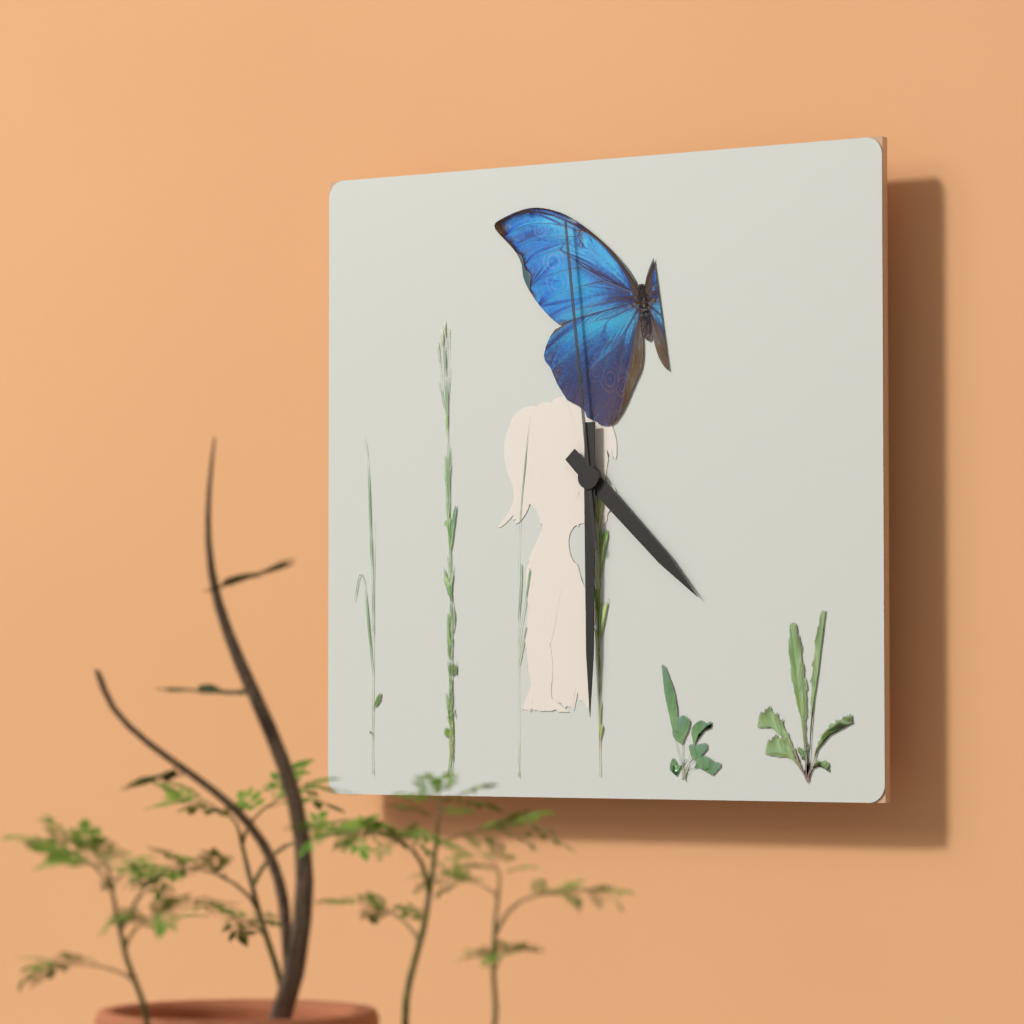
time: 4:30:59
